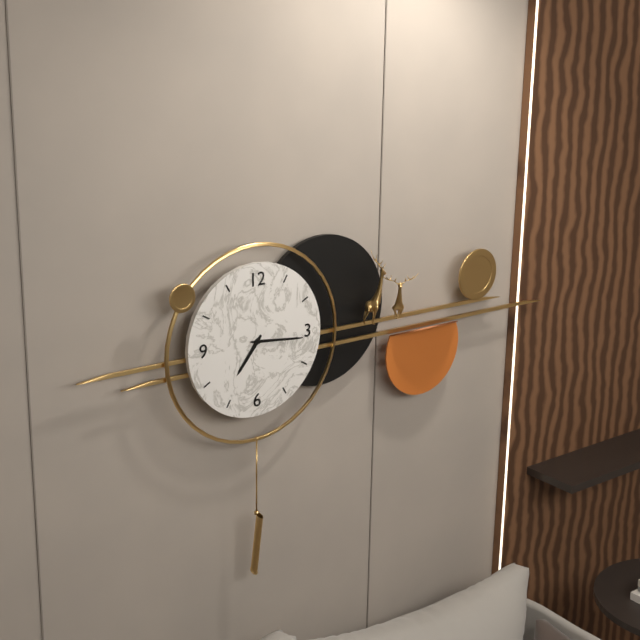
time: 7:16
